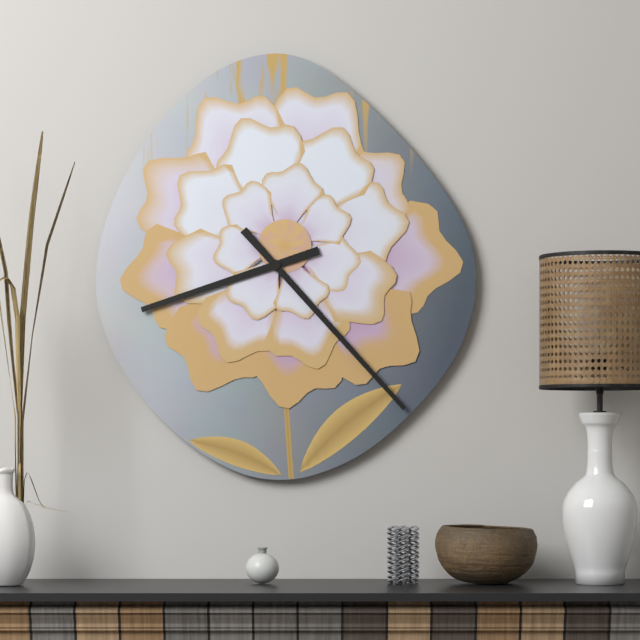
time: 8:23
